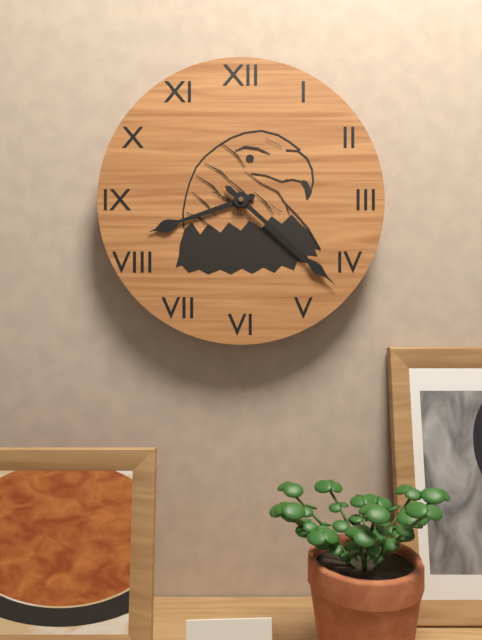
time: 8:22
